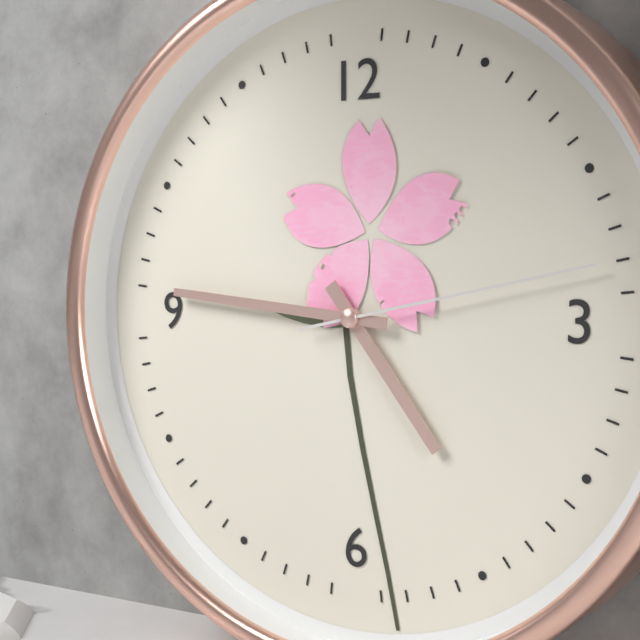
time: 4:46:13
